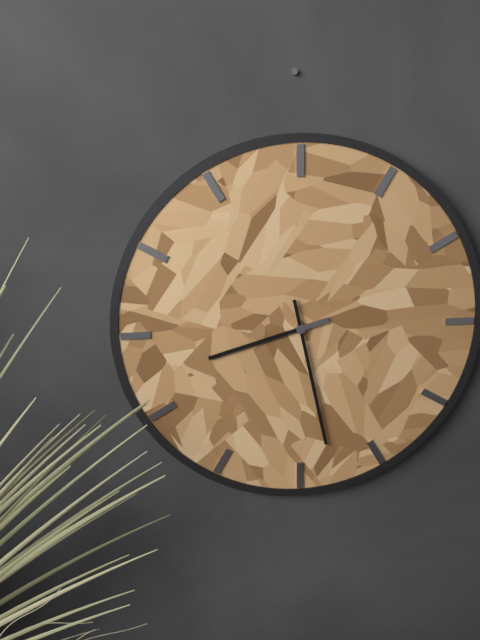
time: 8:28
